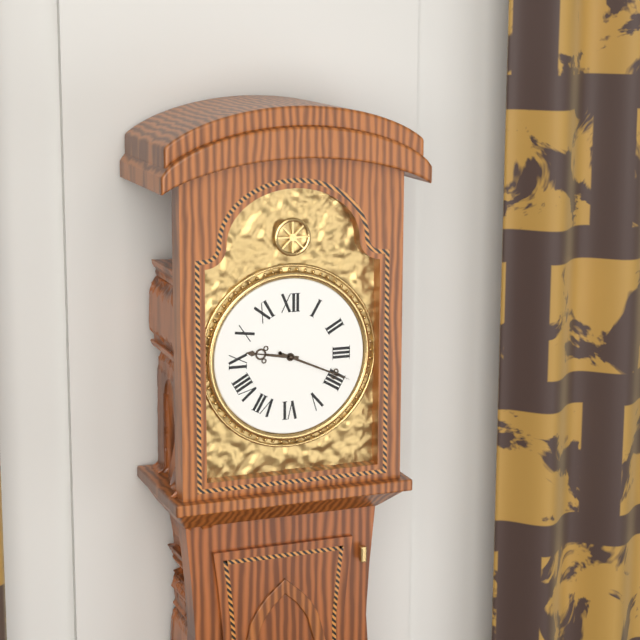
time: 9:19
